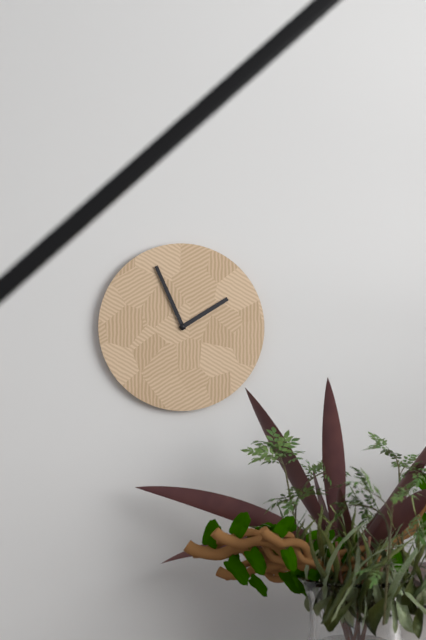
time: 1:56
